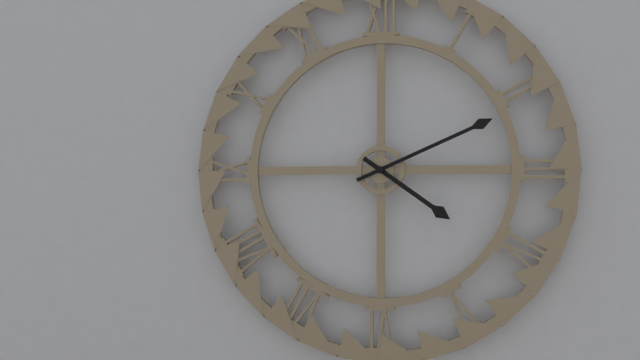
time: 4:11
